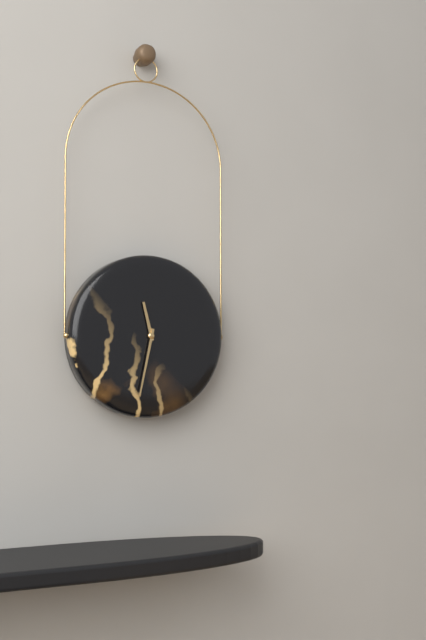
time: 11:32
